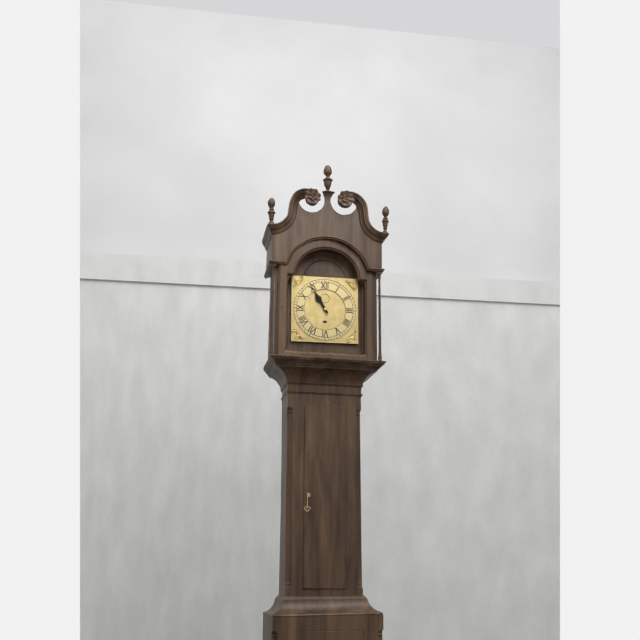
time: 10:55
